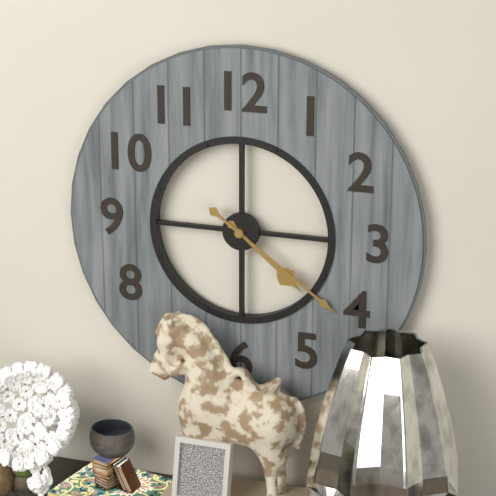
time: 4:21
